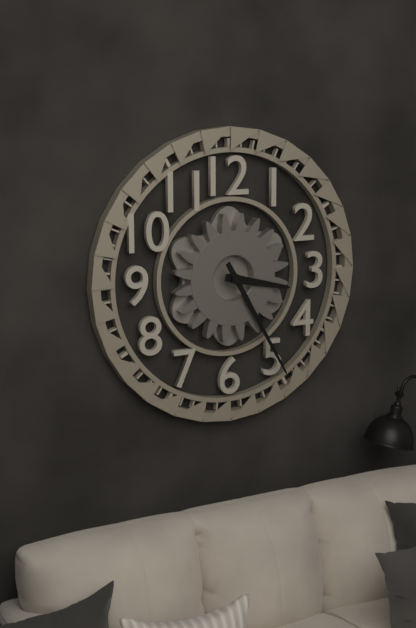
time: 3:25
